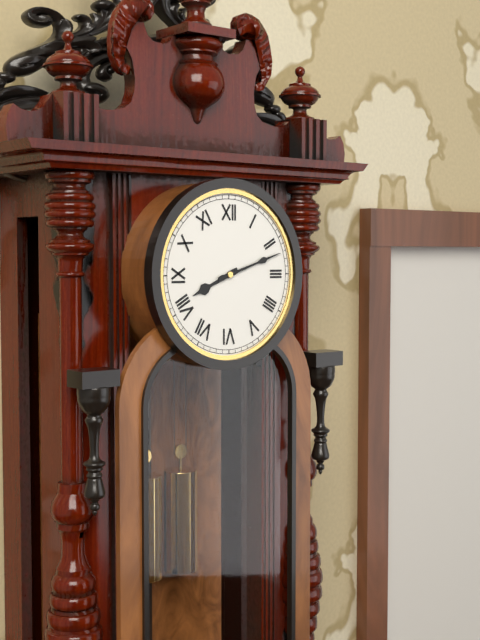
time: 8:12
